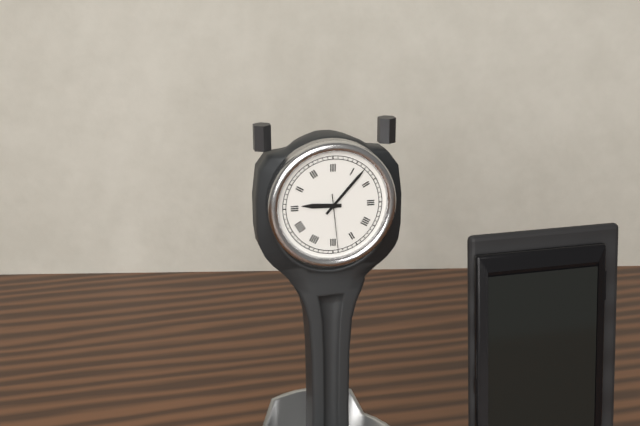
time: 9:07:29
